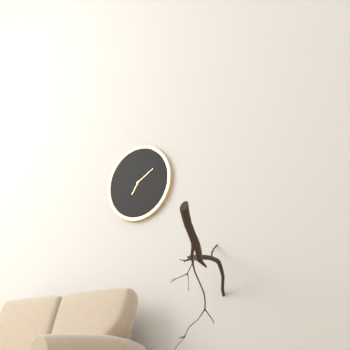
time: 7:10
